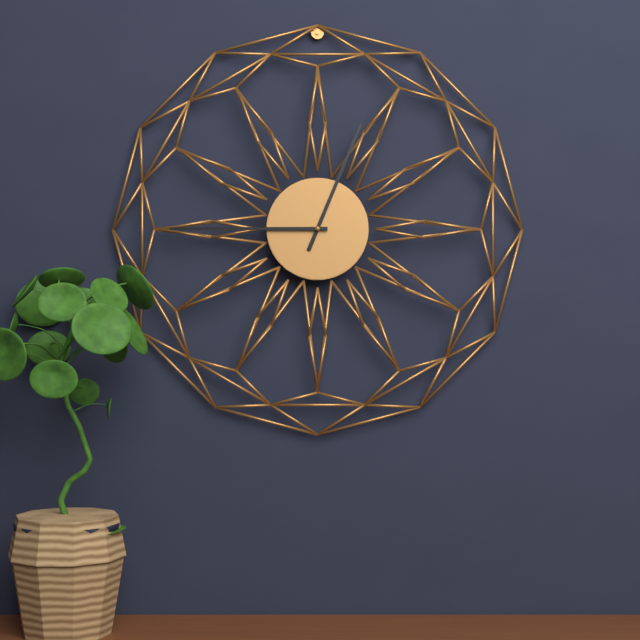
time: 12:45
